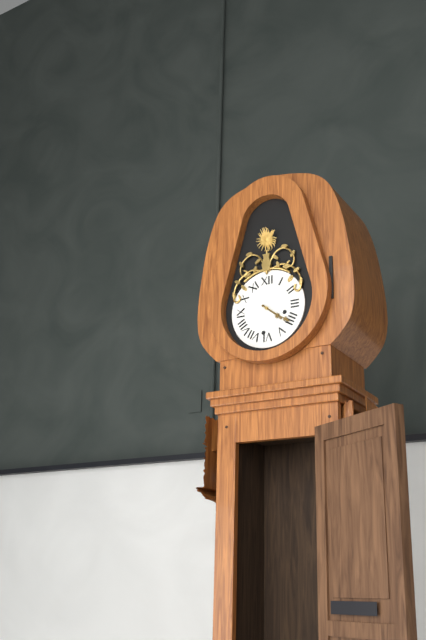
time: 4:21
